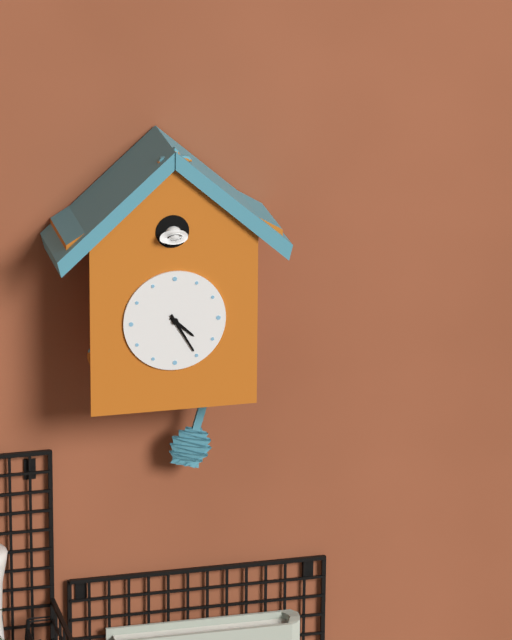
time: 4:25
